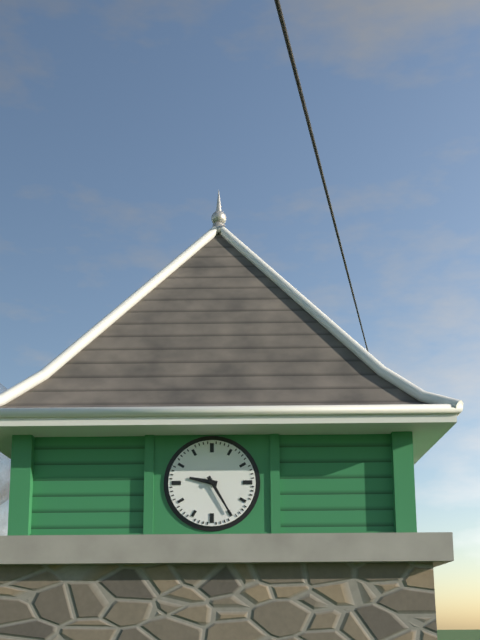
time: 9:25
